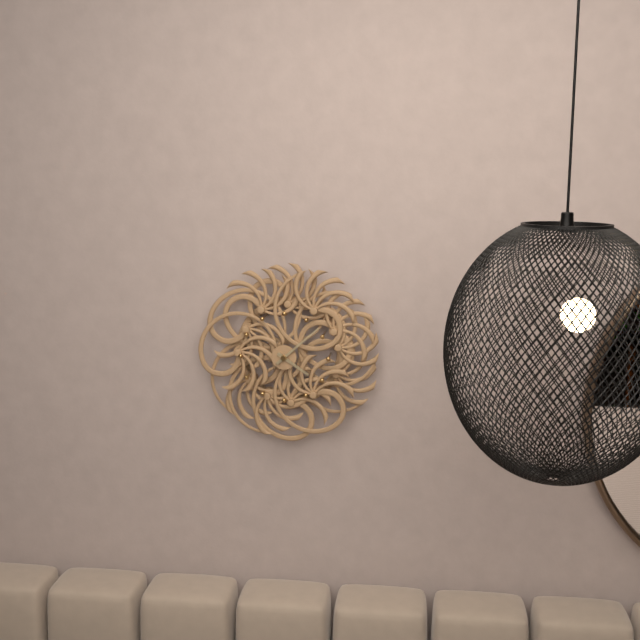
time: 4:08
